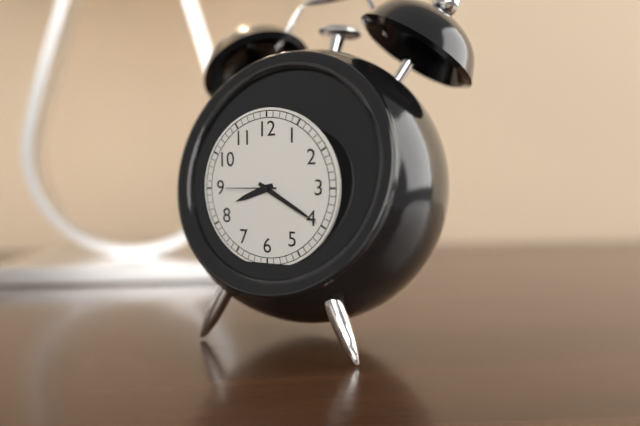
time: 8:20:45
